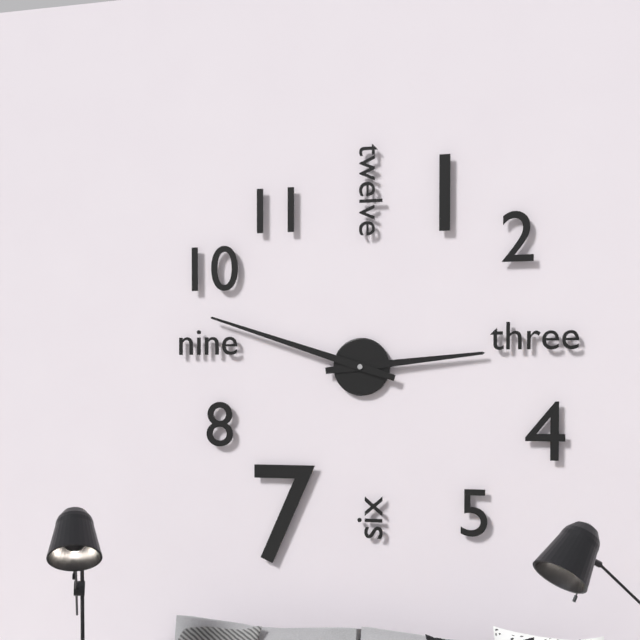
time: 2:48
